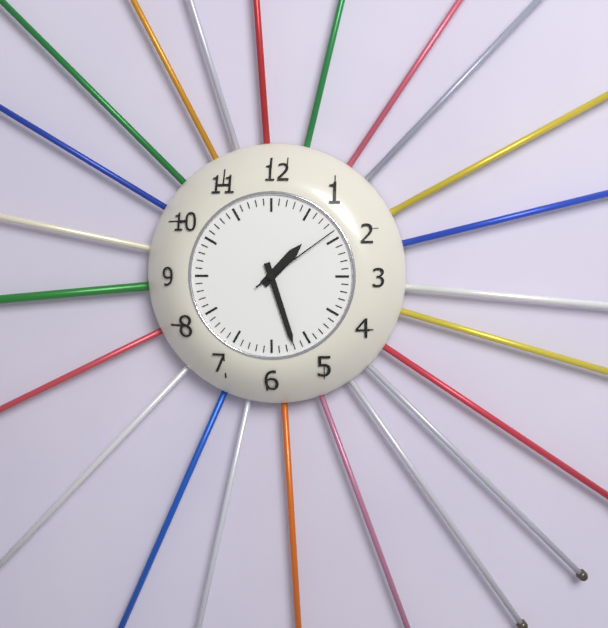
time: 1:27:09
